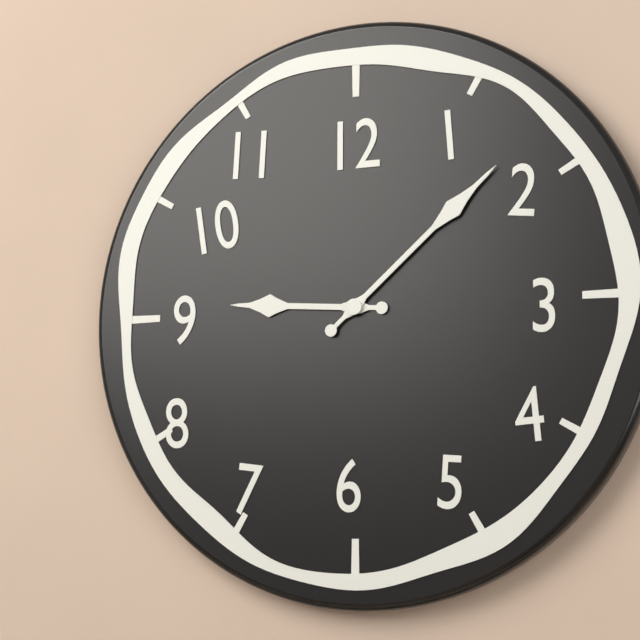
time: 9:08
